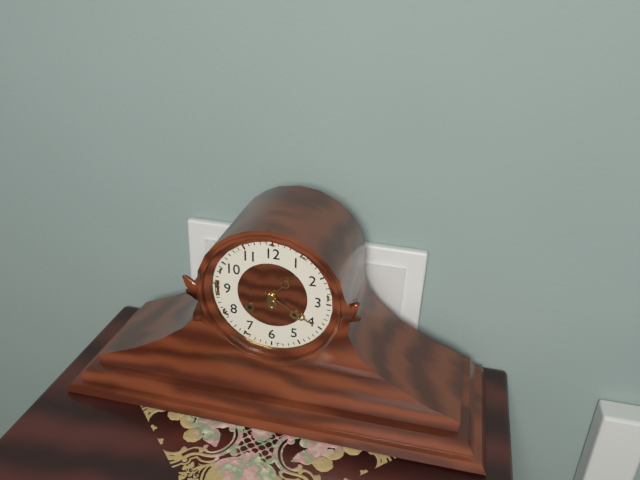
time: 1:20
